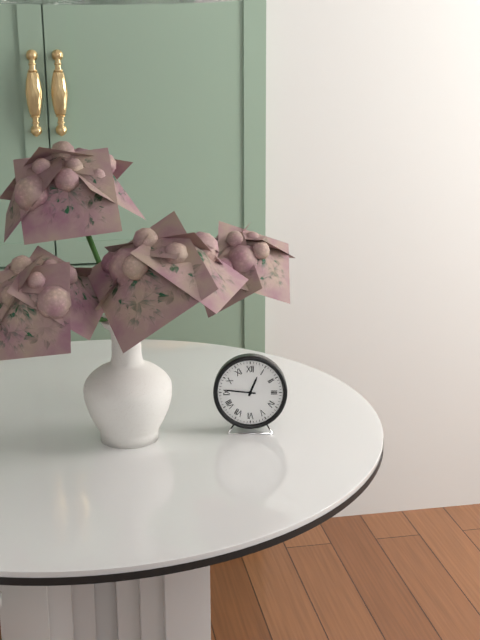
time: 12:46
